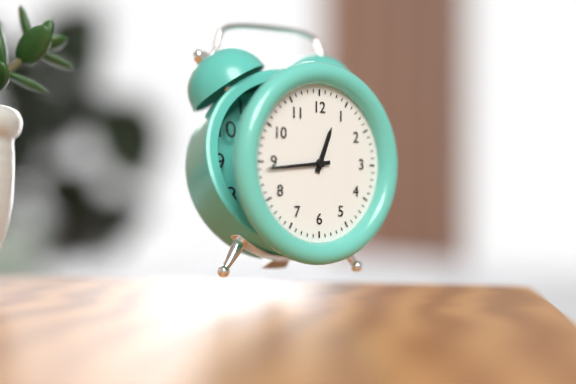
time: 12:44
